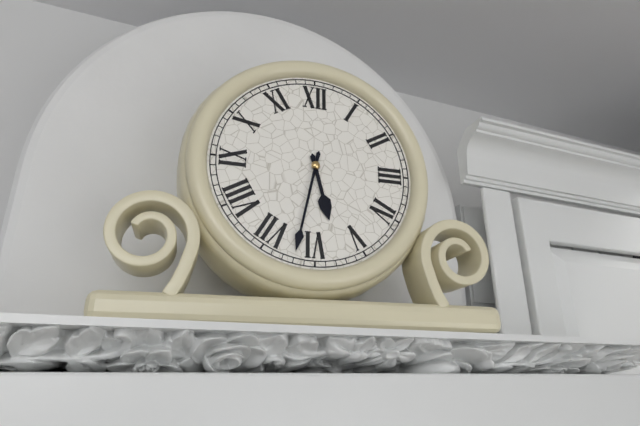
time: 5:32
